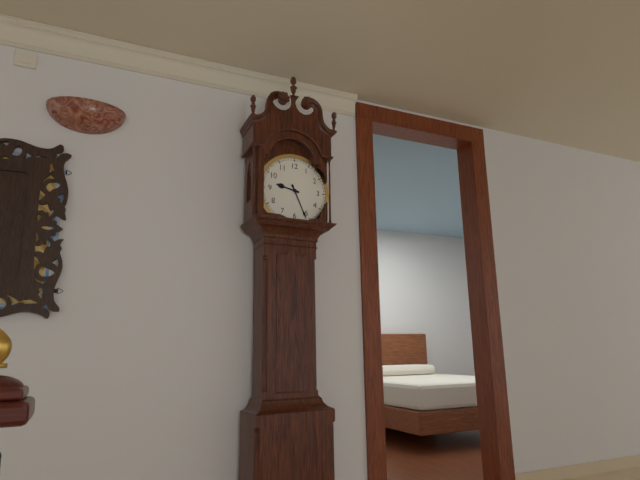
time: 9:26
